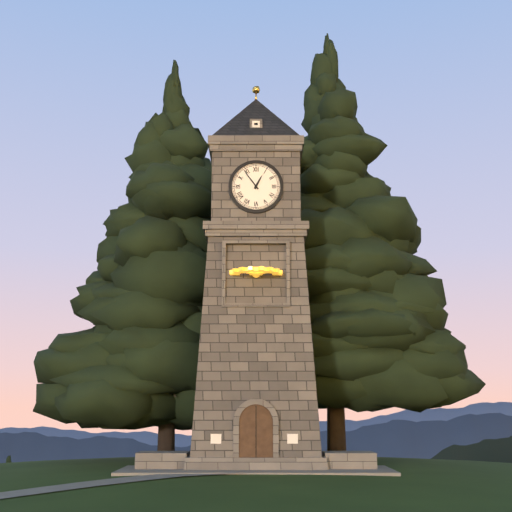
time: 12:54
